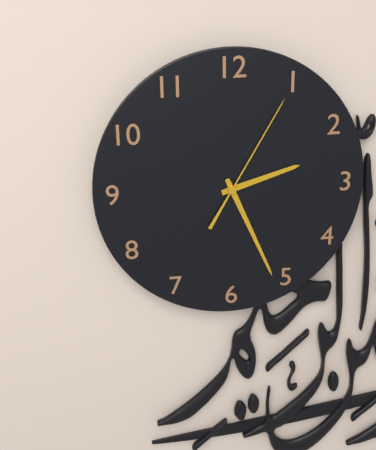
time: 2:26:05
